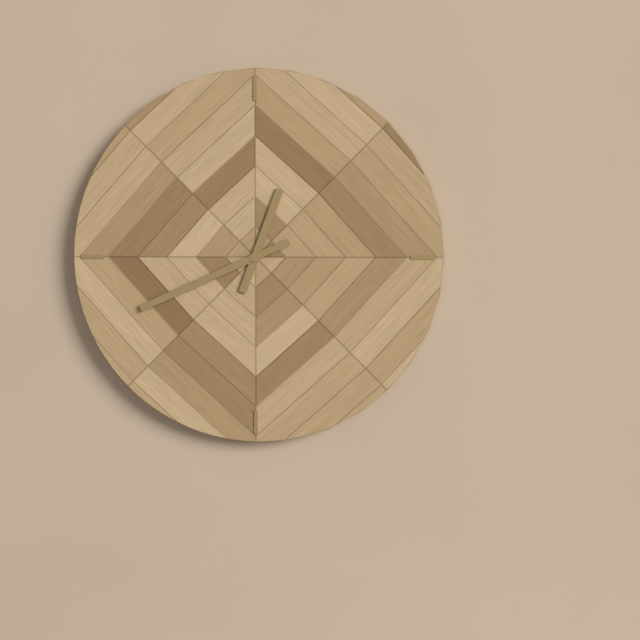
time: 12:41
